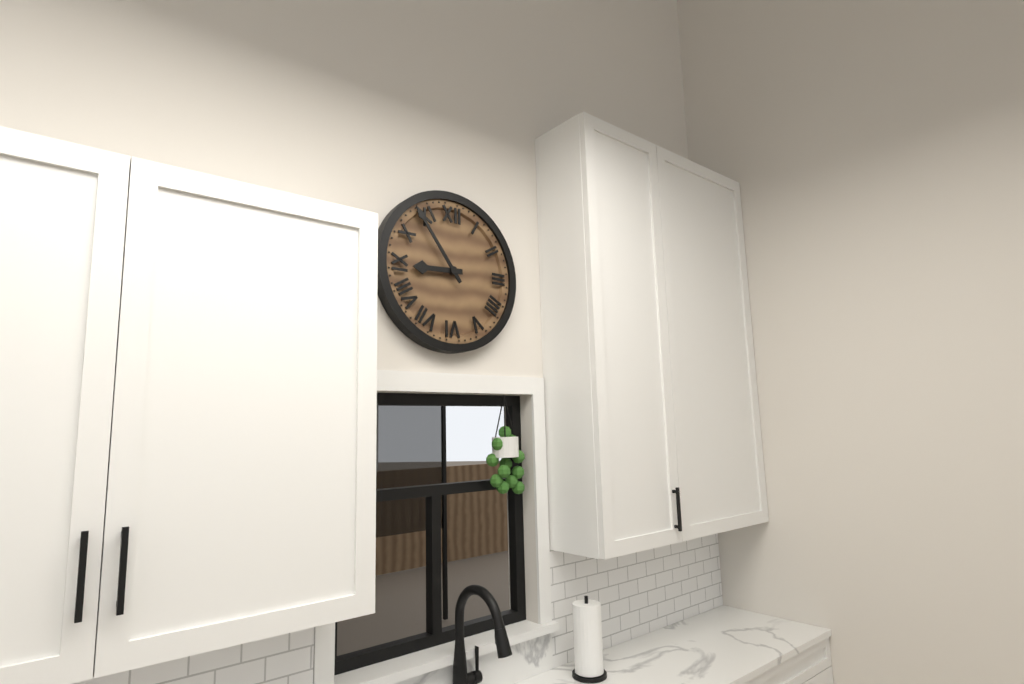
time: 8:54
